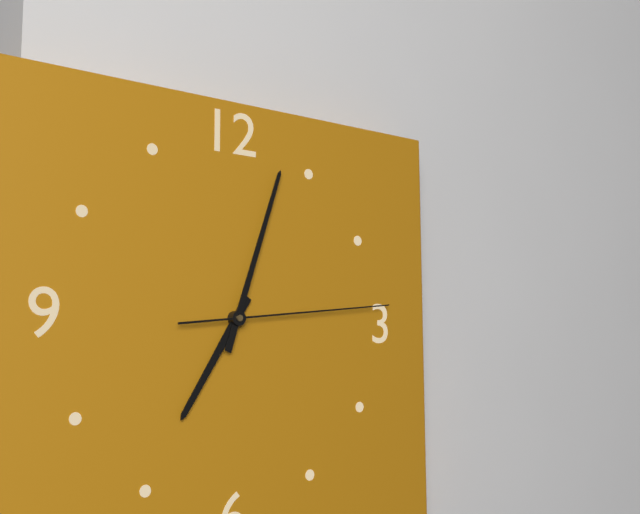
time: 7:03:14
